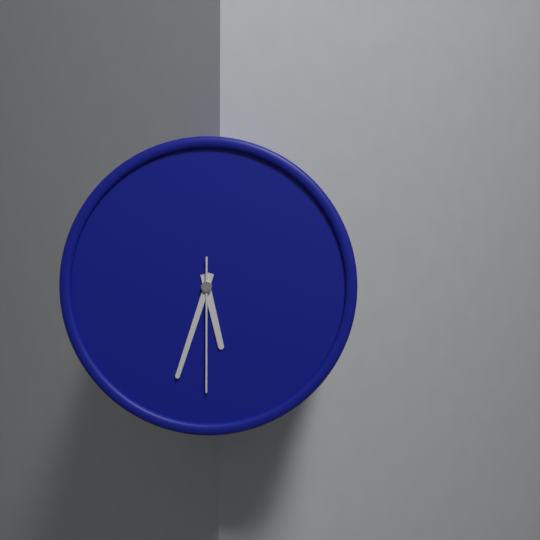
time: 5:33:30
